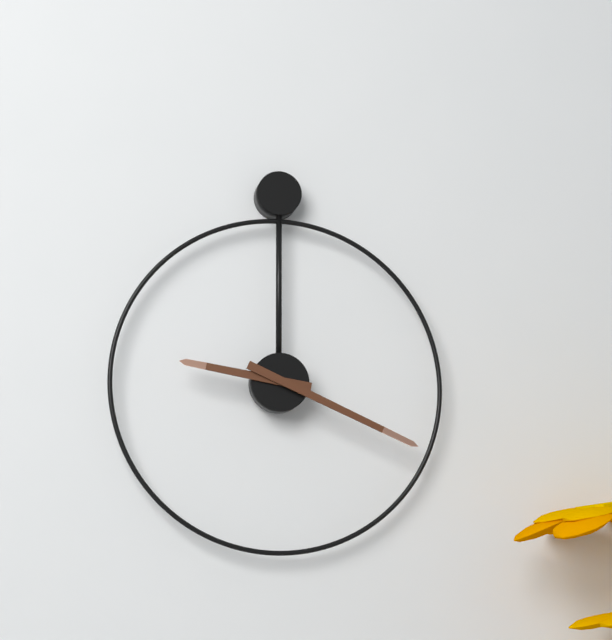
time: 9:19
